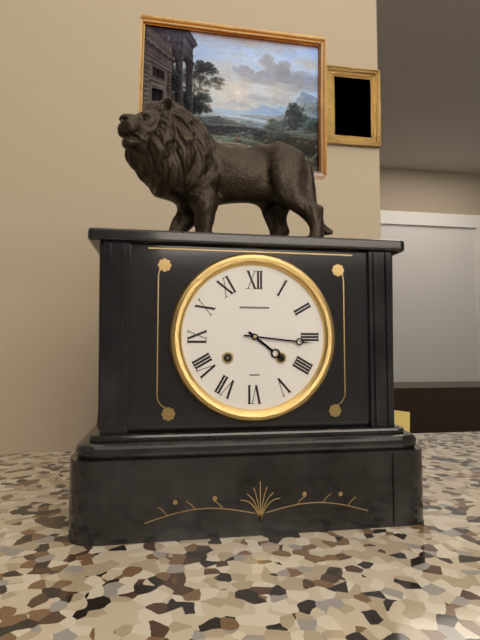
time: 4:16
